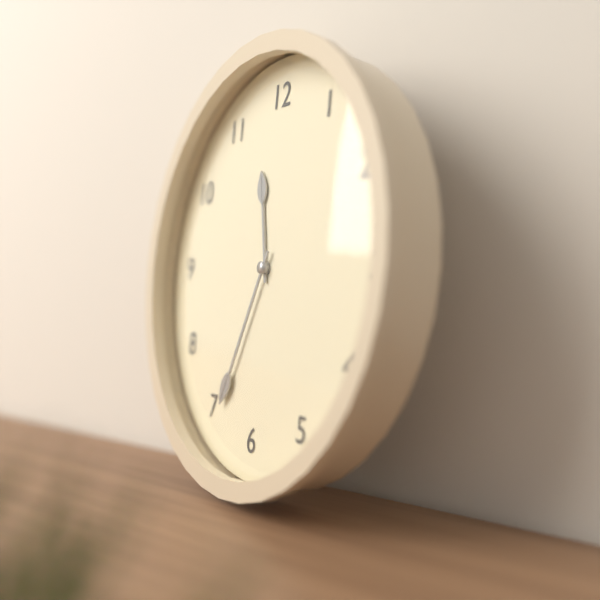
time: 11:34
